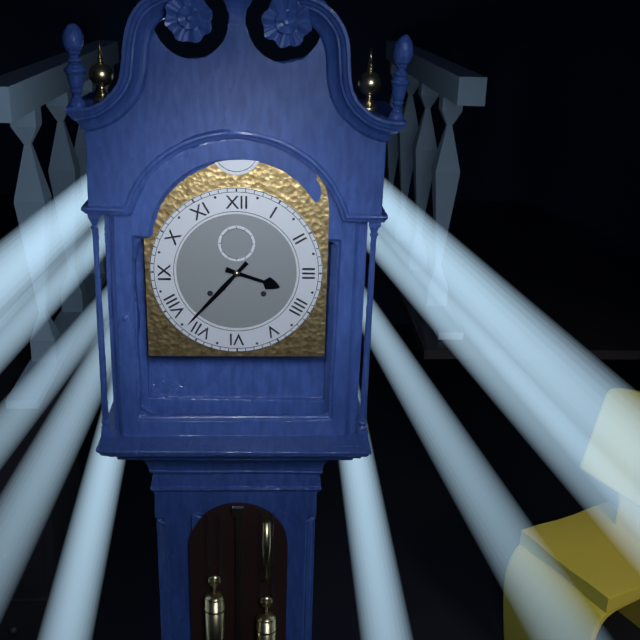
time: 3:37
